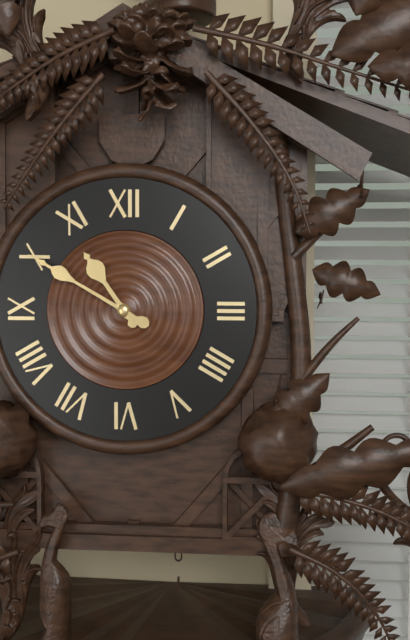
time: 10:50
